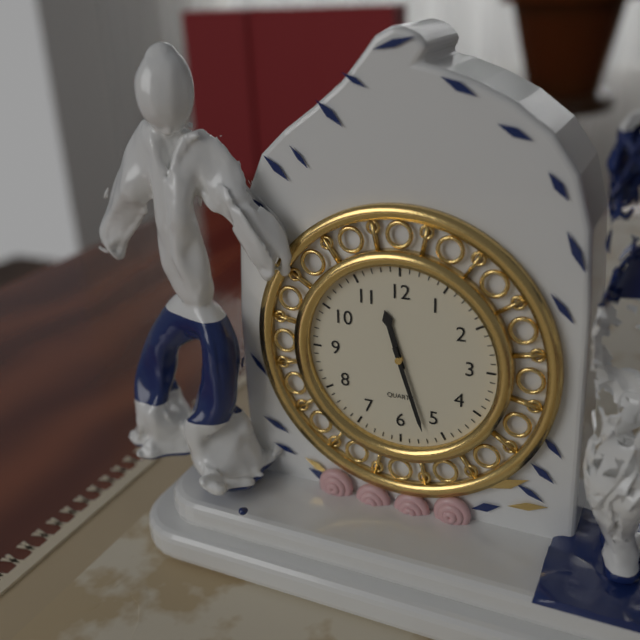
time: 11:27
